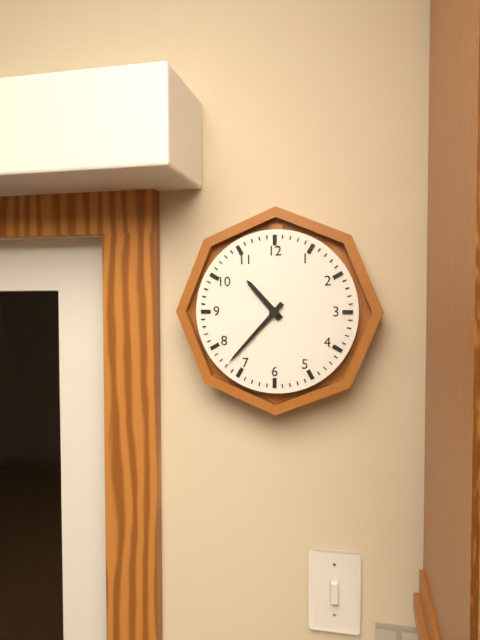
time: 10:37
